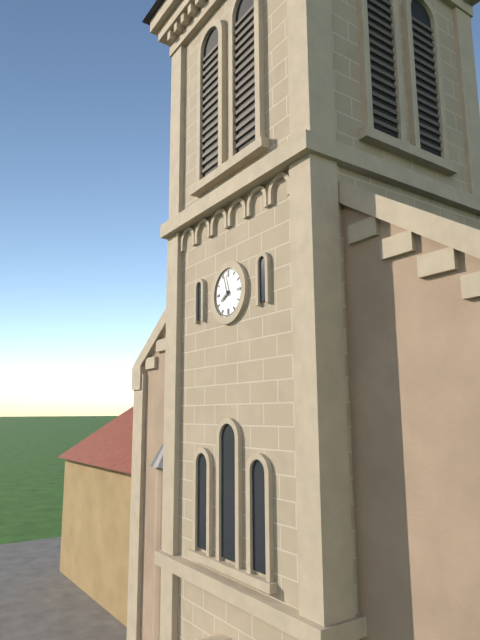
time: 7:57
